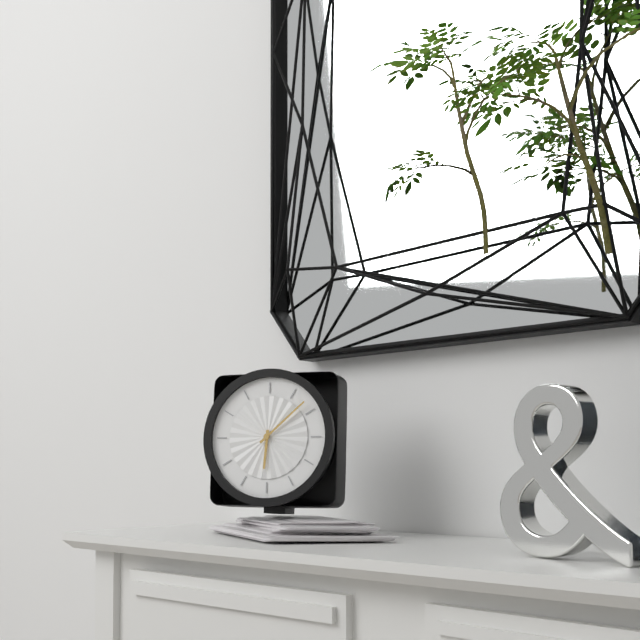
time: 6:08
